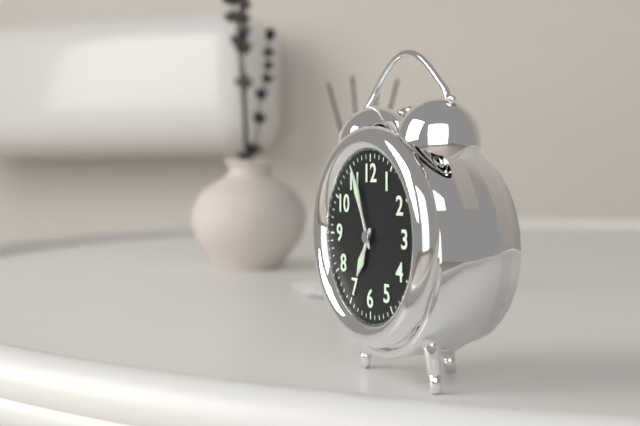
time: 6:56
